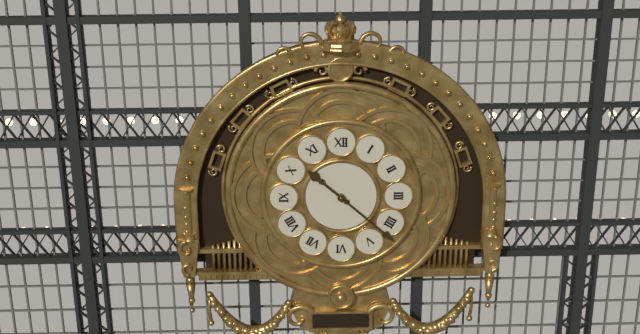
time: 10:22
